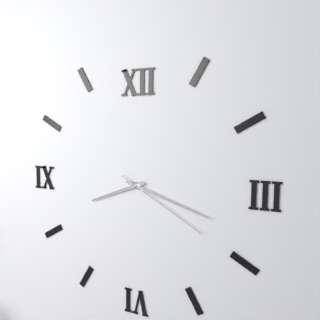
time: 8:18:20
